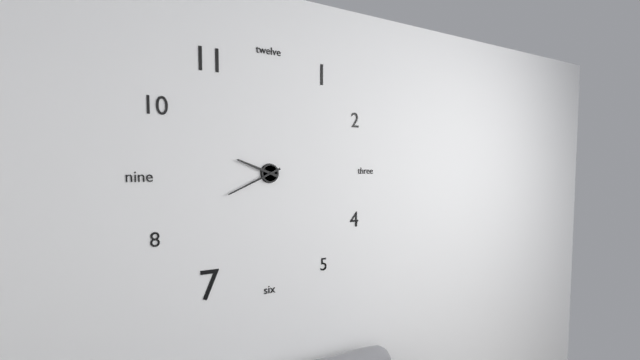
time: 9:41
